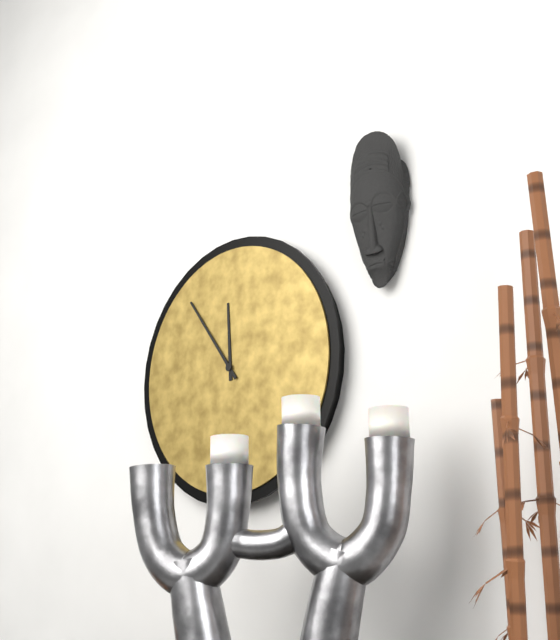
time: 11:54
